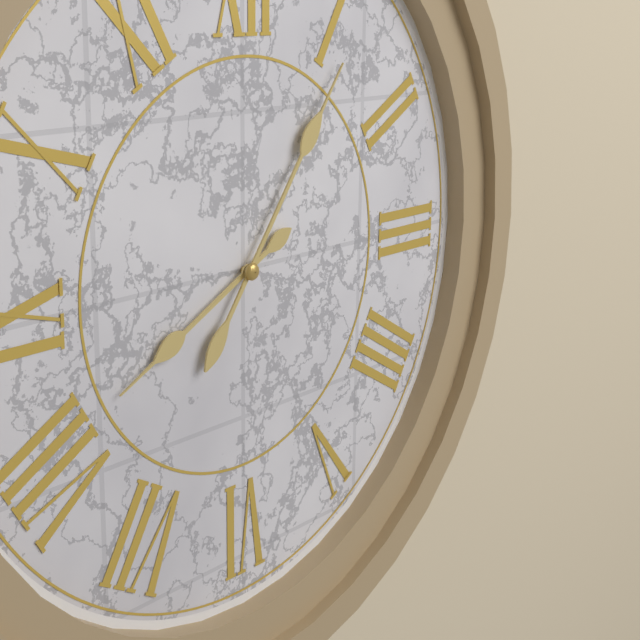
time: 8:06
